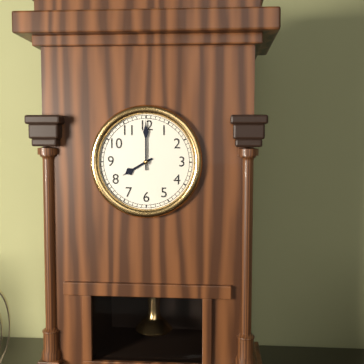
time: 8:00
